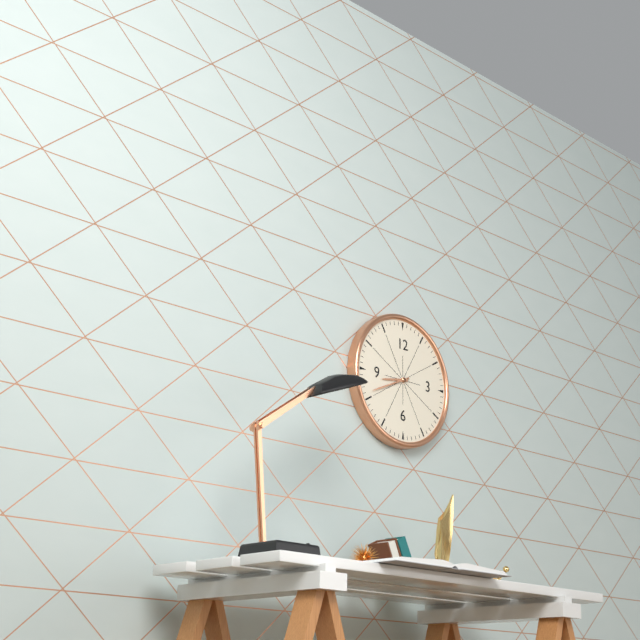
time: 8:41
